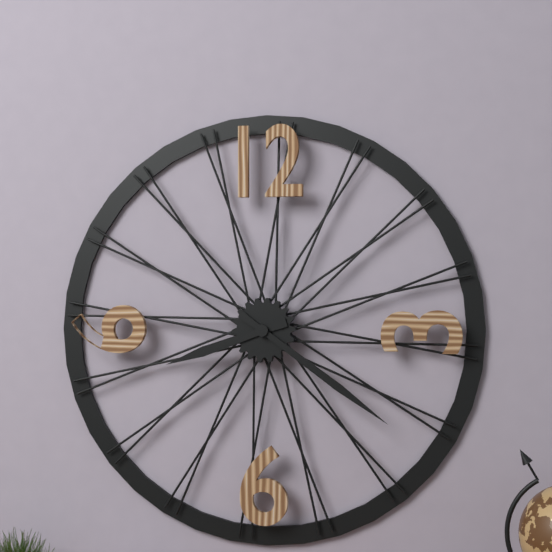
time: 8:21
